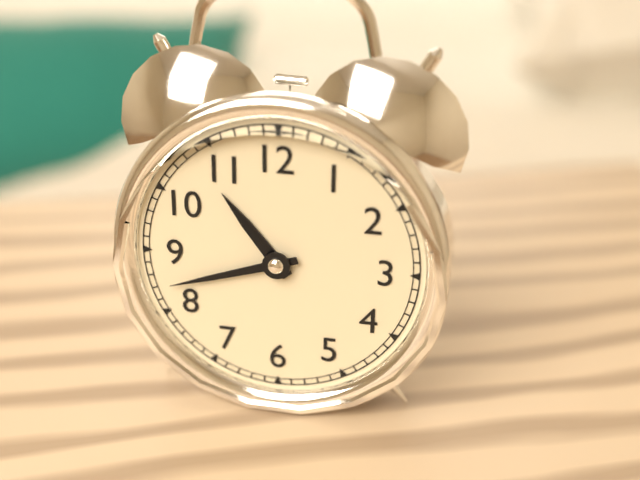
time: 10:42
